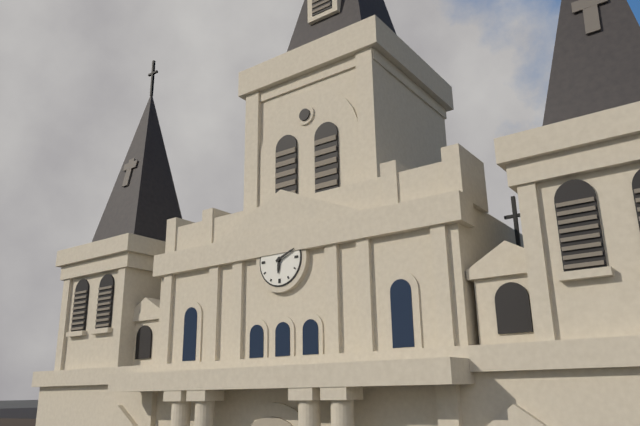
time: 6:11
